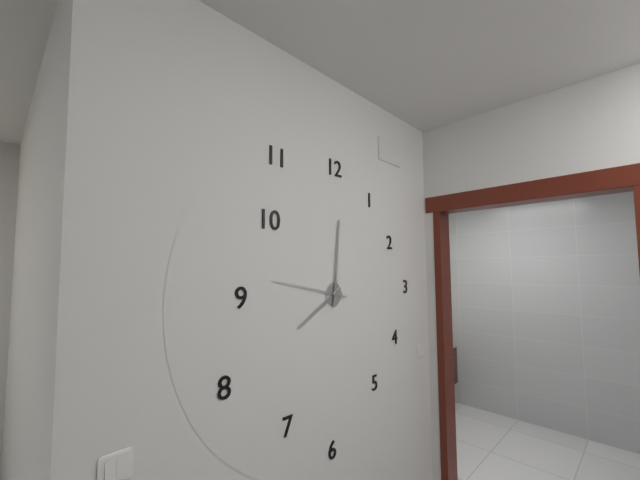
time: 8:01:47
